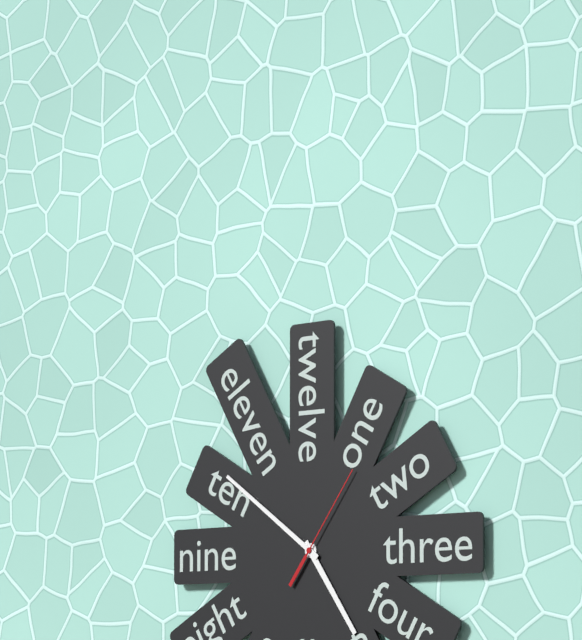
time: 4:51:06
